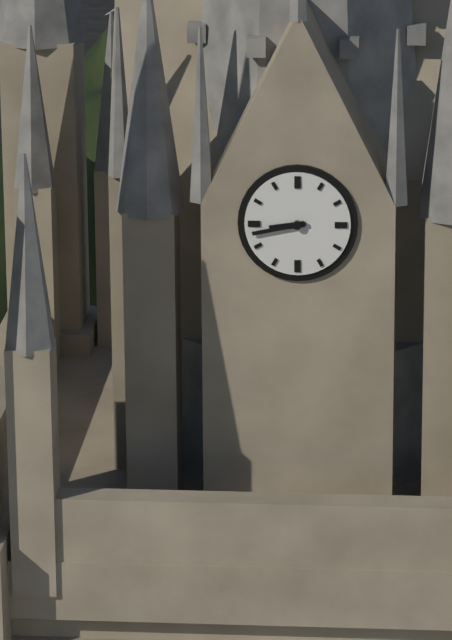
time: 8:43
